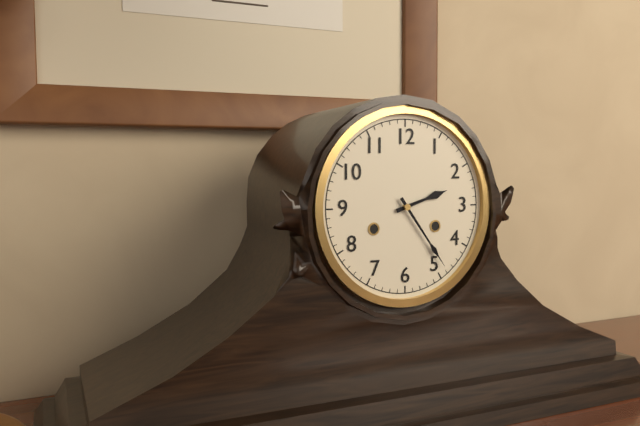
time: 2:24
